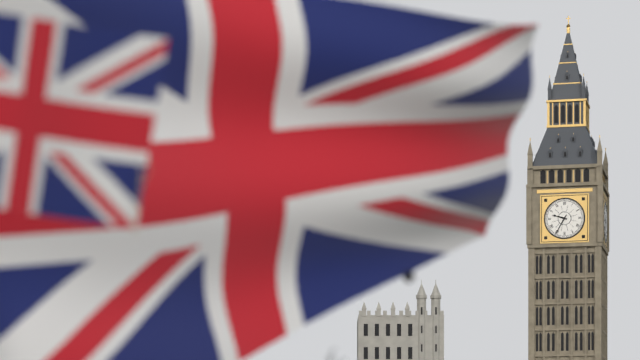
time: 9:35
